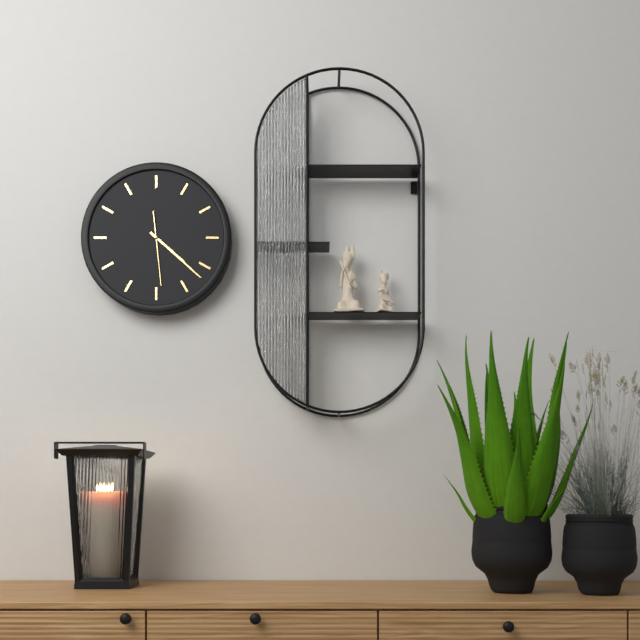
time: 4:22:29
